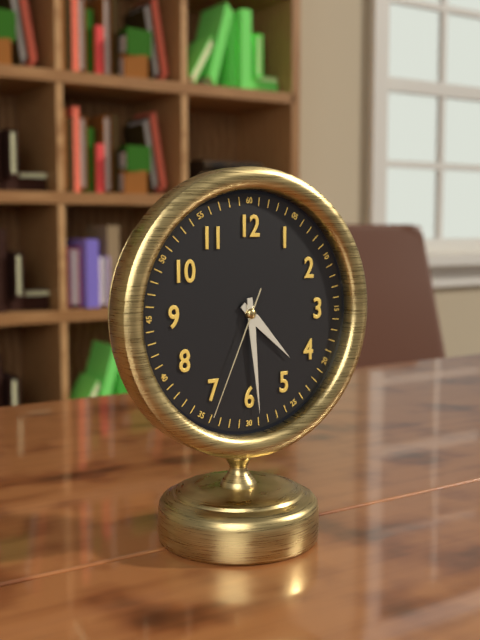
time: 4:29:34
